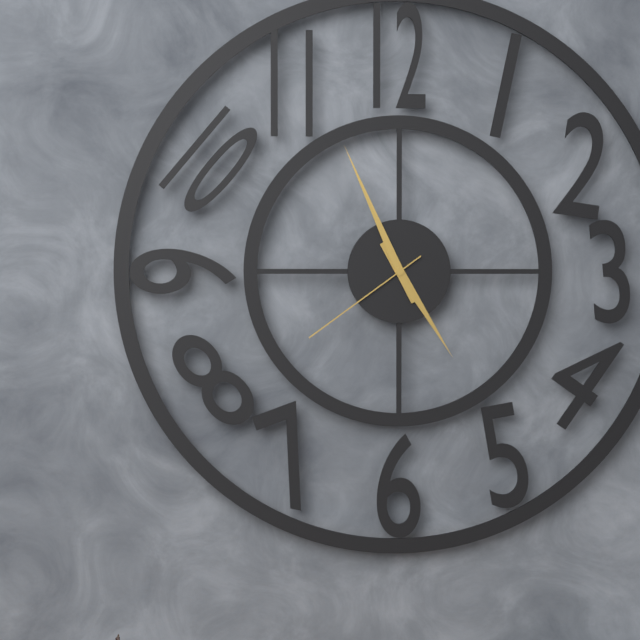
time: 4:56:39
